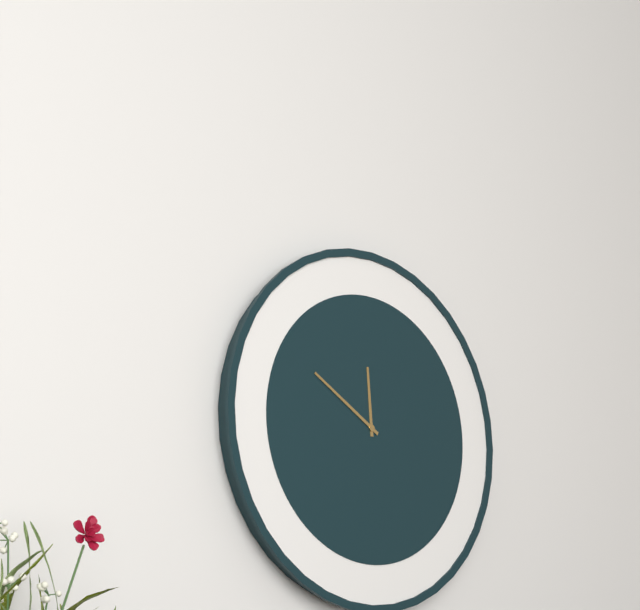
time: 11:50
